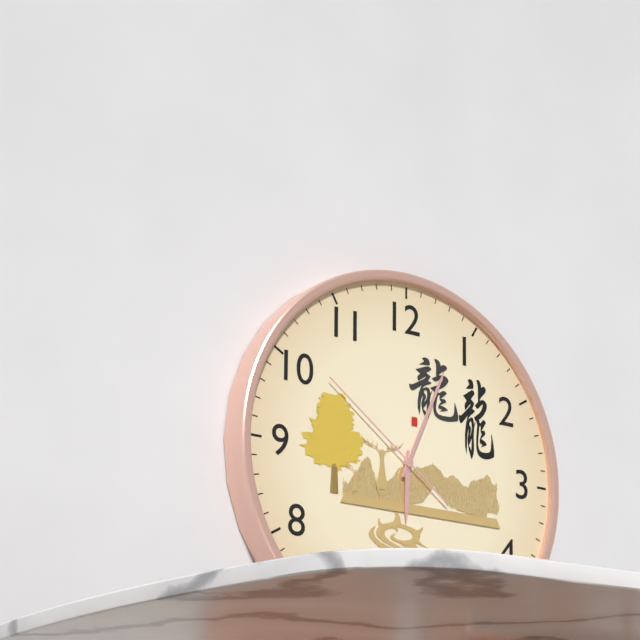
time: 6:04:51
